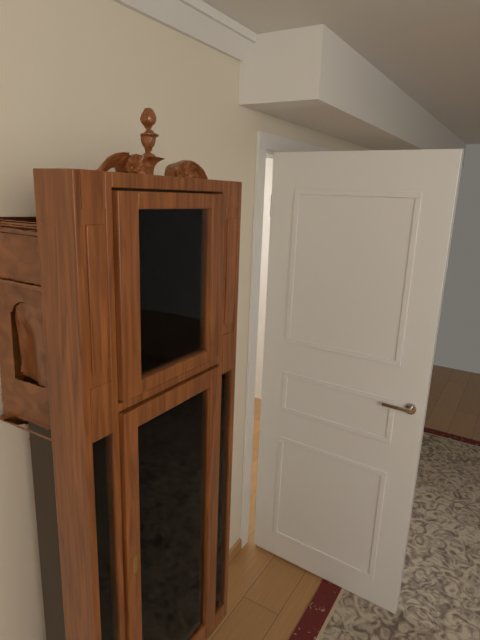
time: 9:55
